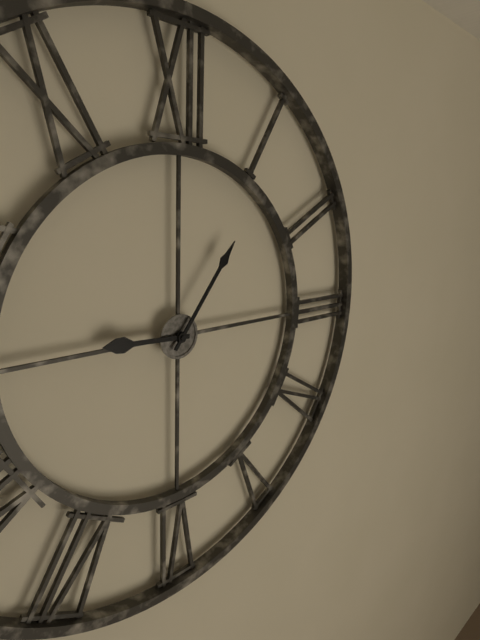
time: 9:06
